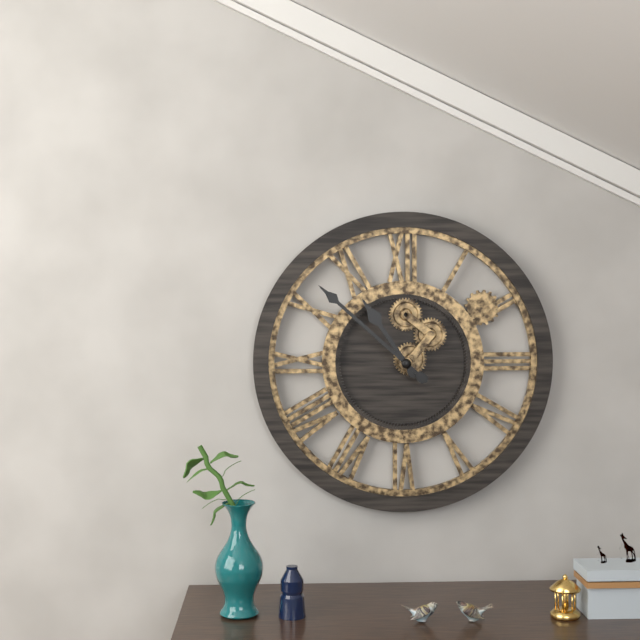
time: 10:52
